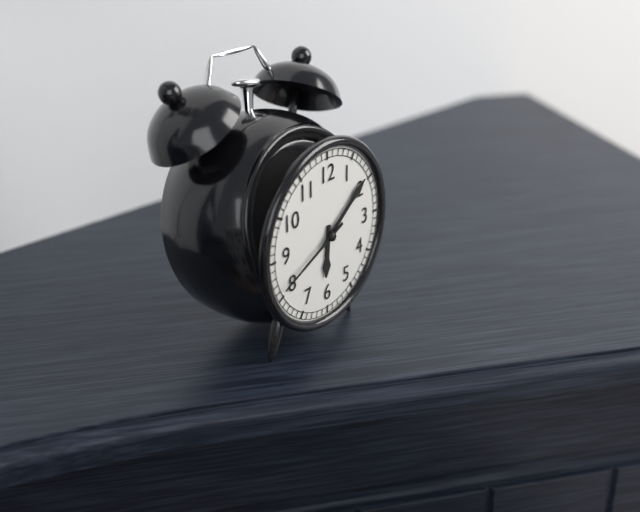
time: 6:09:41
